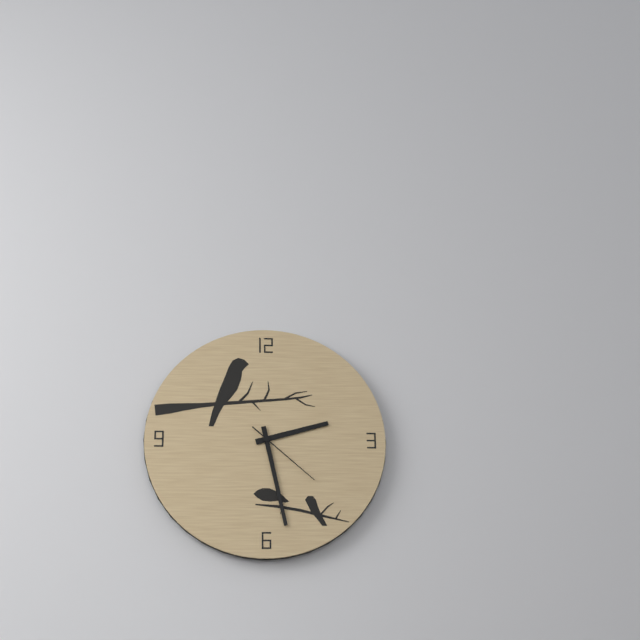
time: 2:28:22
